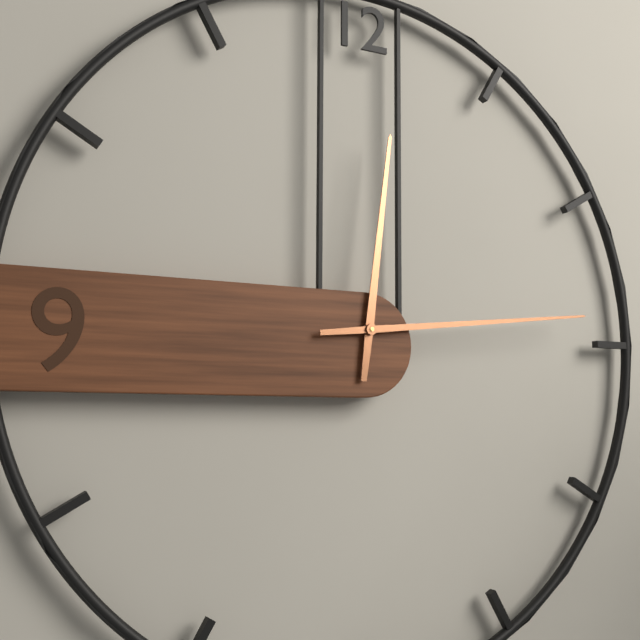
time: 12:14
